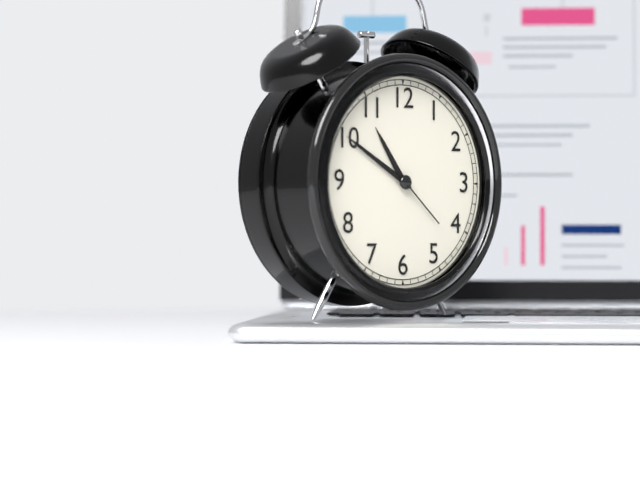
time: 10:50:22
